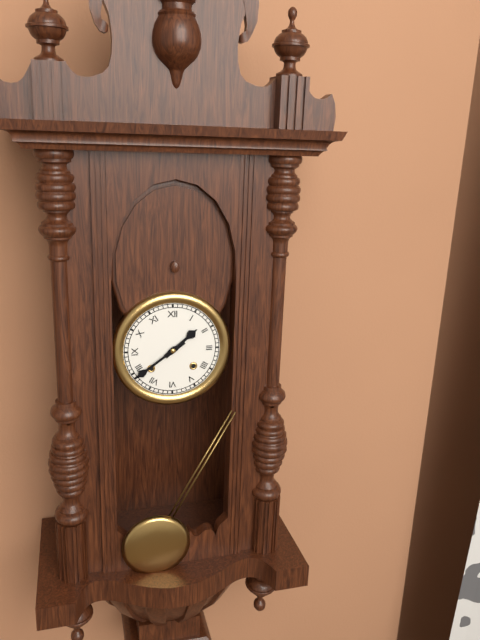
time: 1:39
